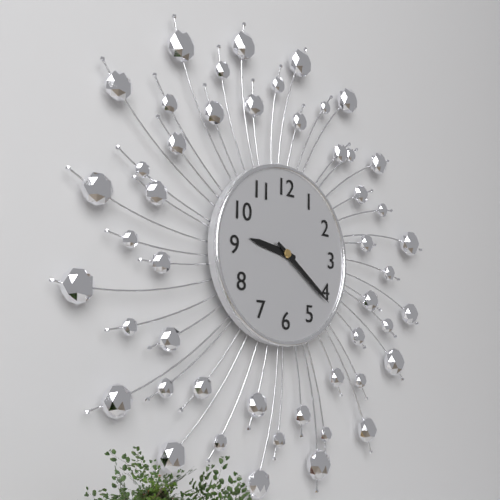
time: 9:21
